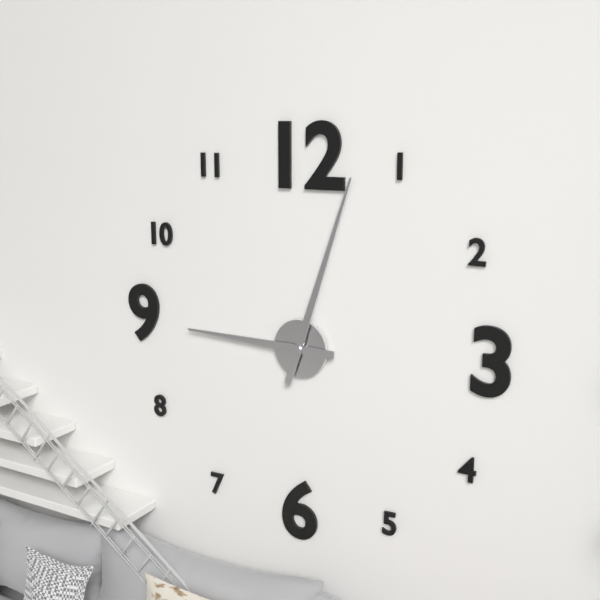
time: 9:03
